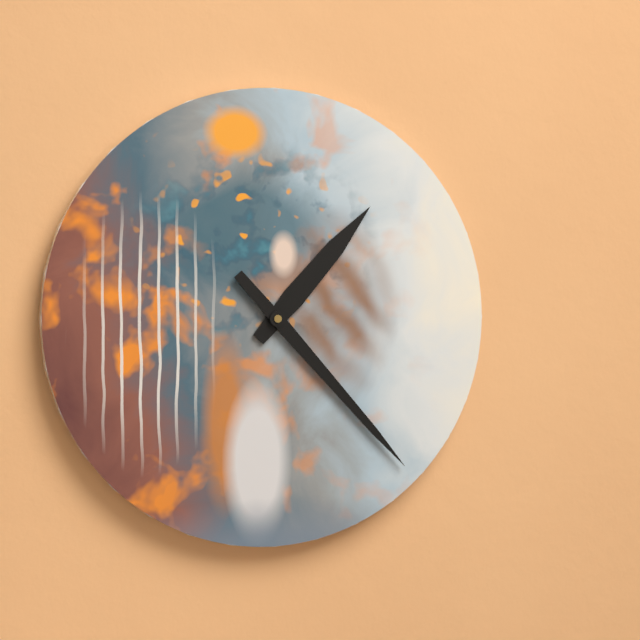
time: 1:23
